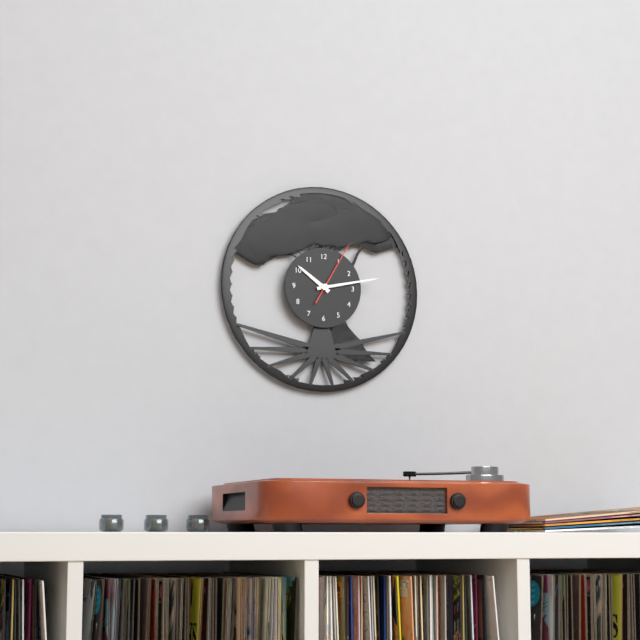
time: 10:13:05
